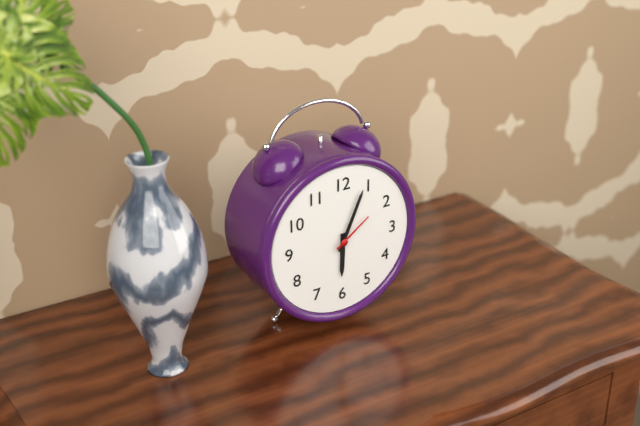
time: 6:04
